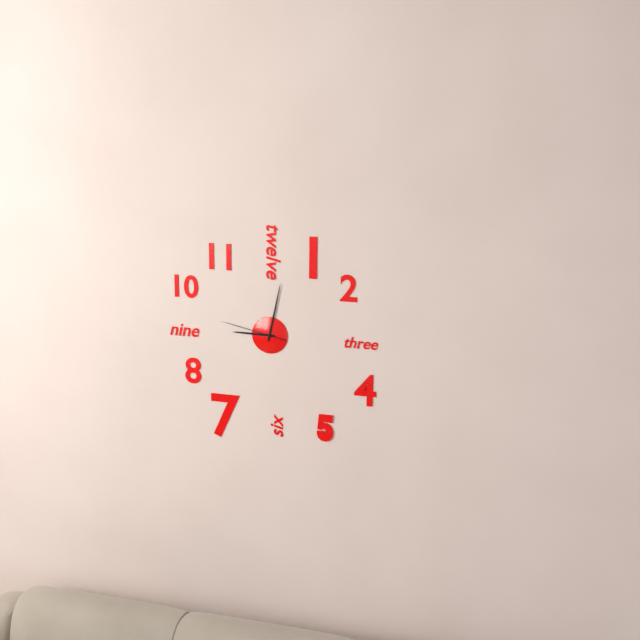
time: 9:02:47
